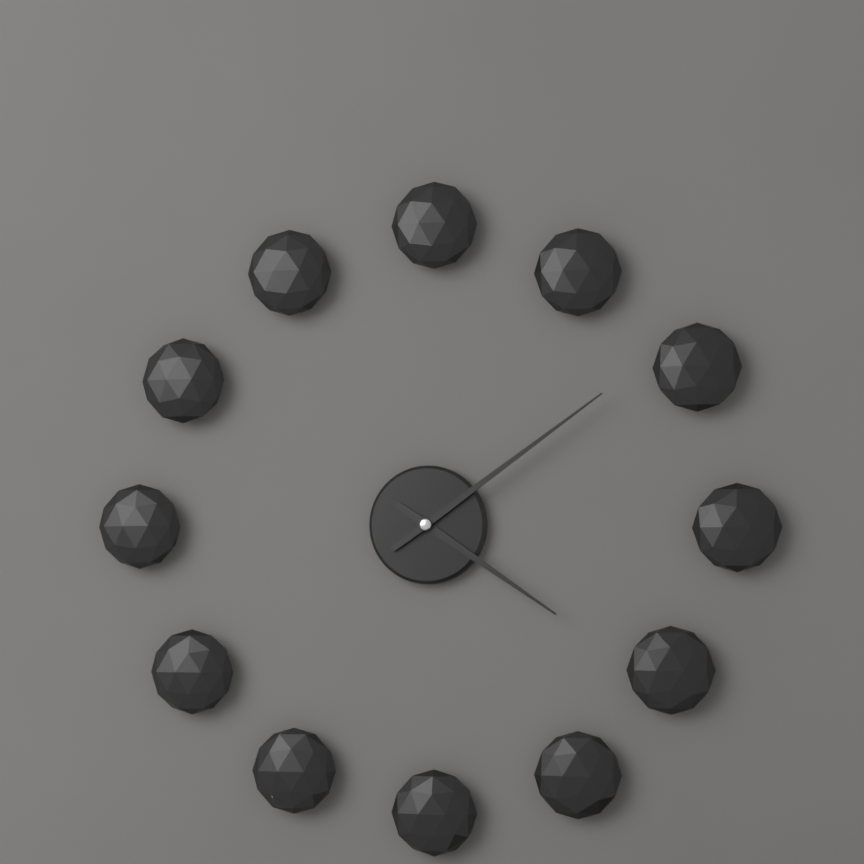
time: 4:09
